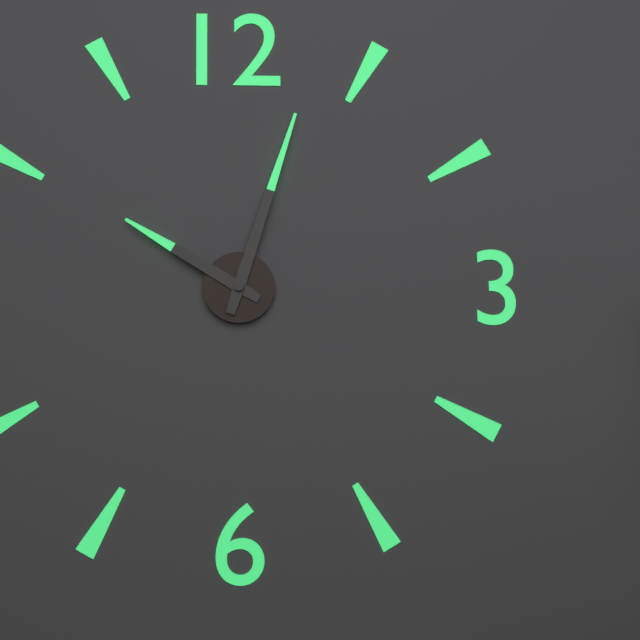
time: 10:03
